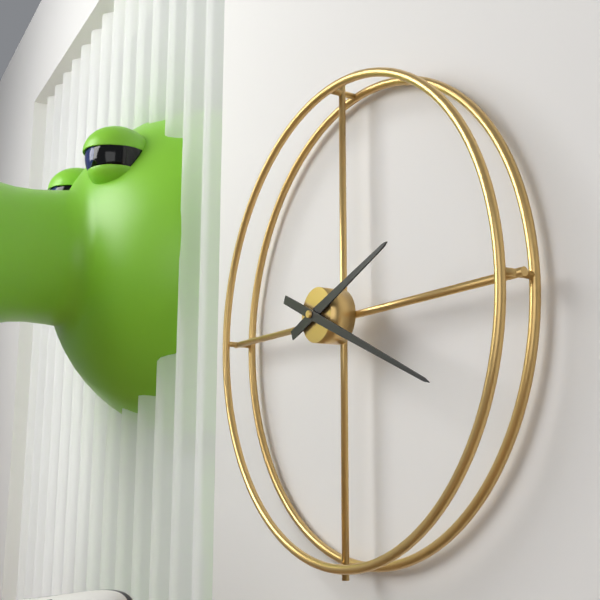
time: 2:19
